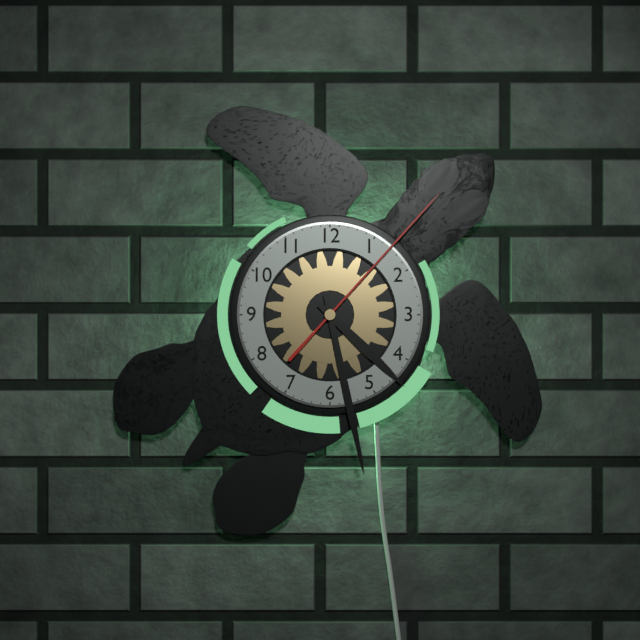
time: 4:28:07
